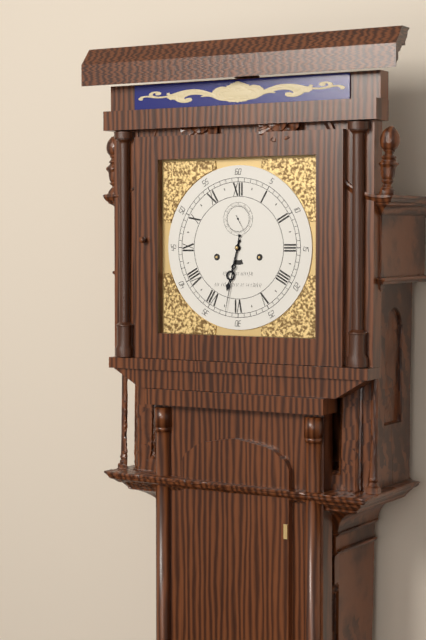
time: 6:32
